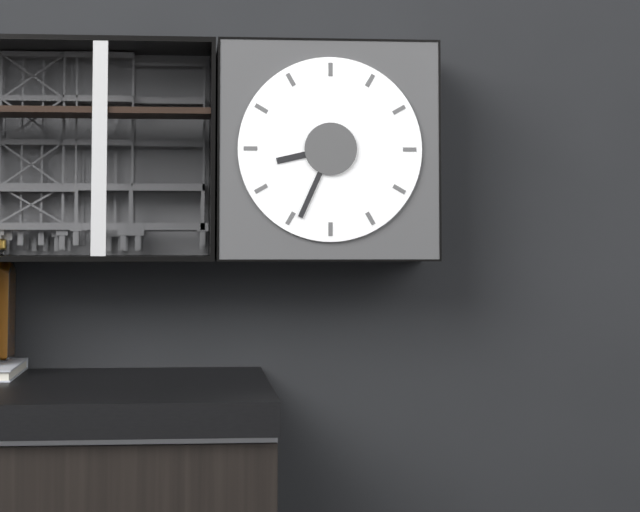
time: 8:34
